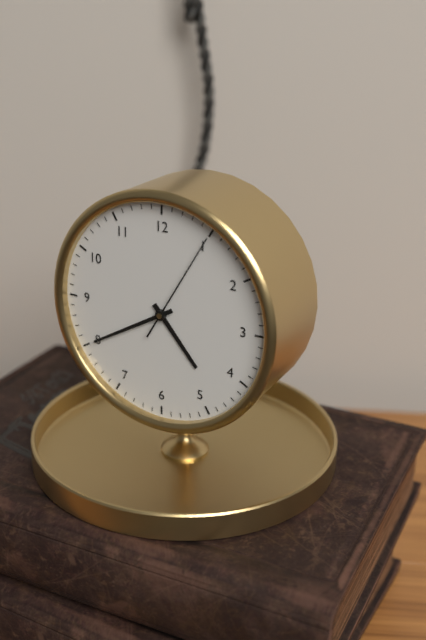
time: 4:40:05
